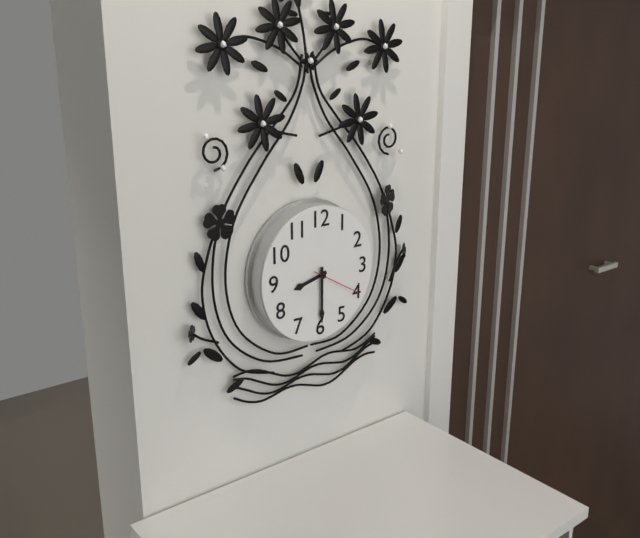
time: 8:30
